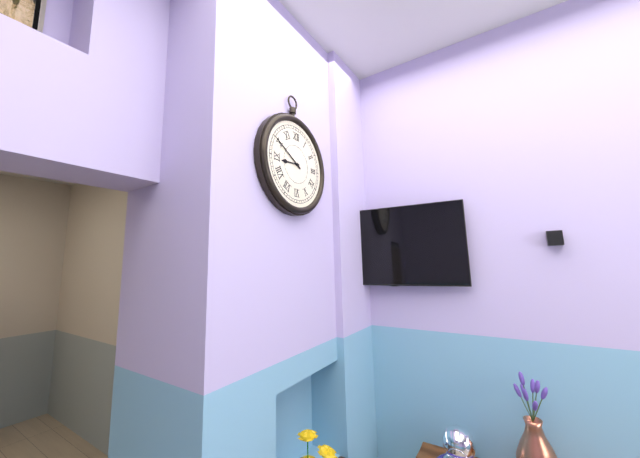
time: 8:50
